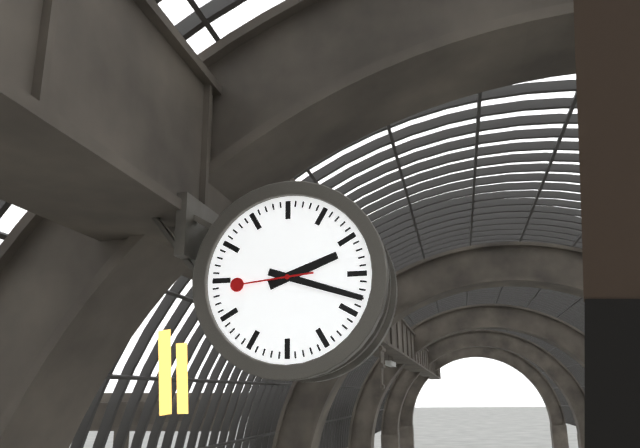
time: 2:18:44
